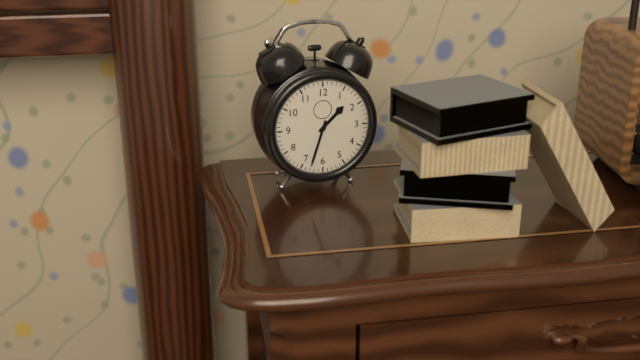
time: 1:33
